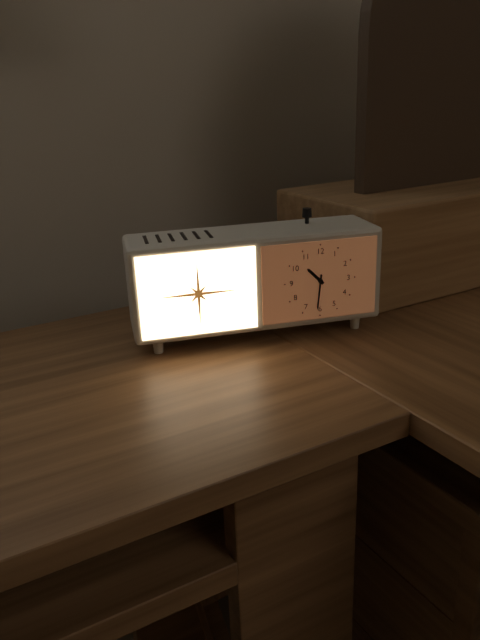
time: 10:31
